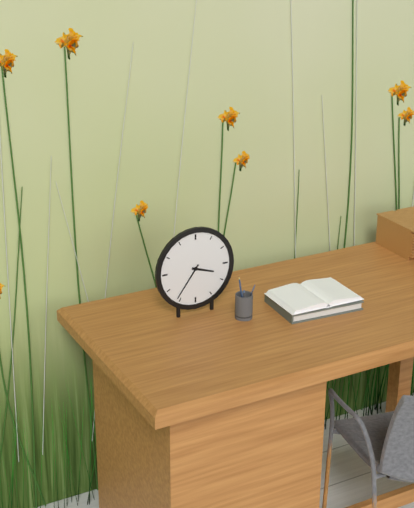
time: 3:36
